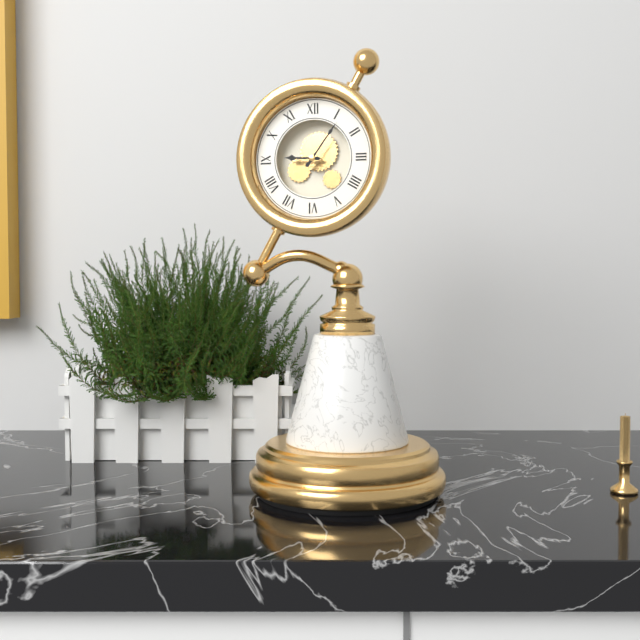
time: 9:06
